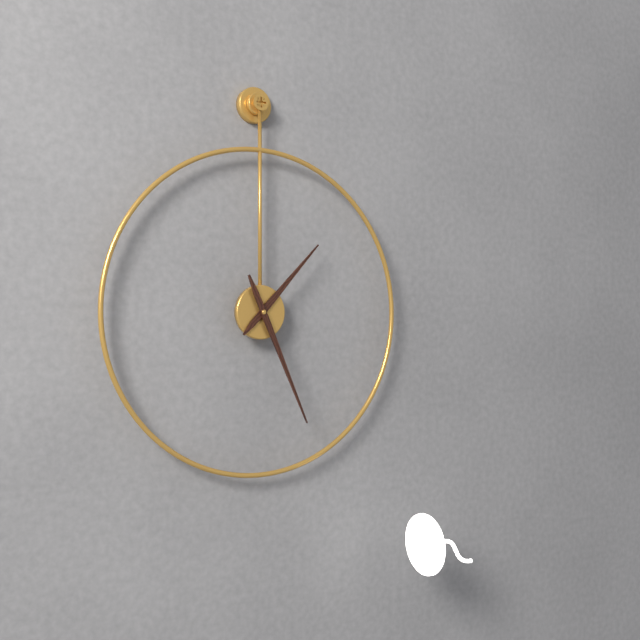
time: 1:26
